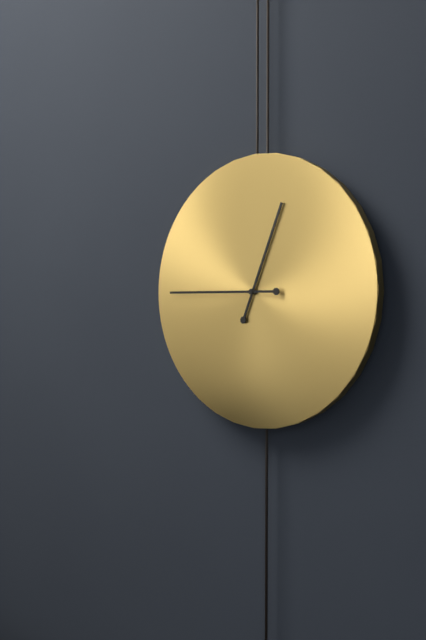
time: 12:45
